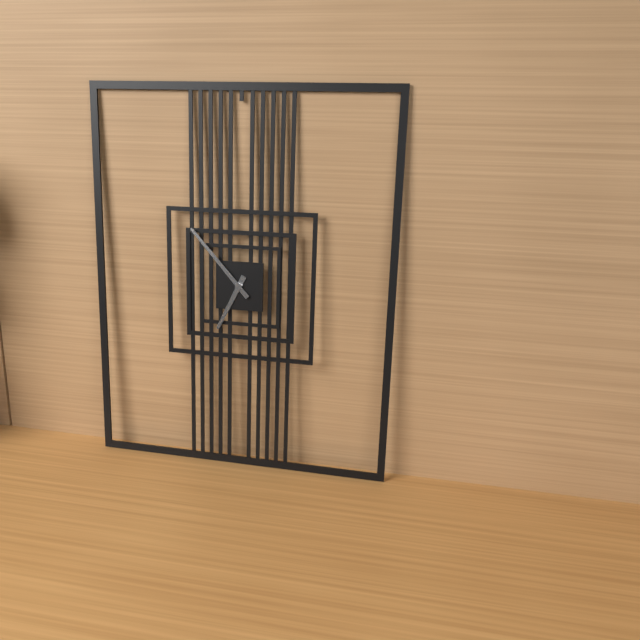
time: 6:53
